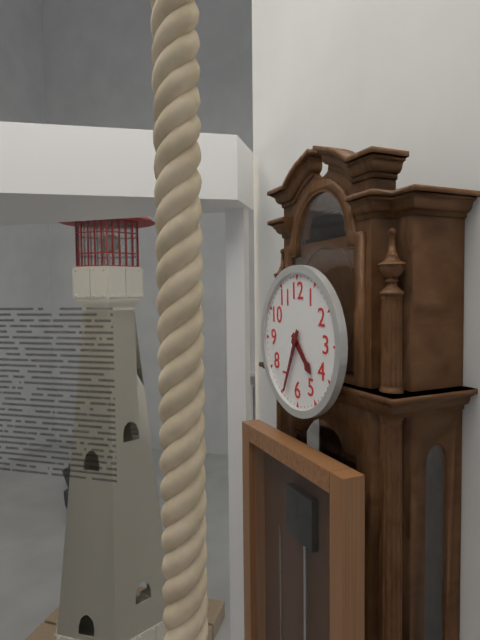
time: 4:34
